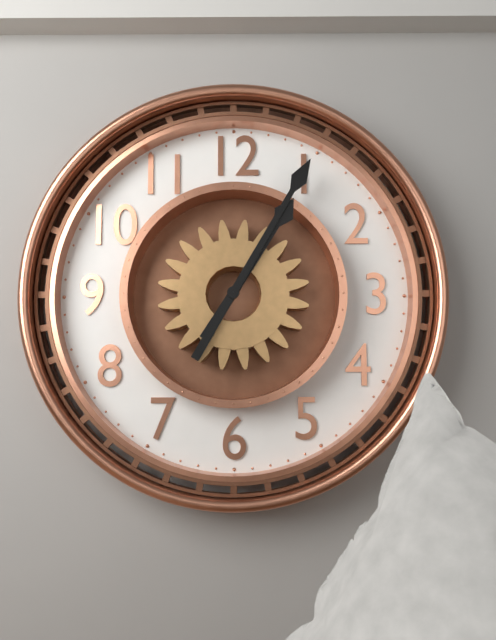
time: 1:05
